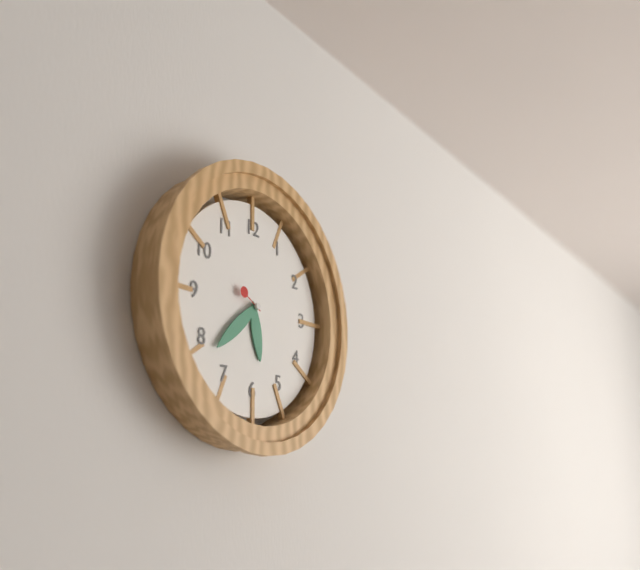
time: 5:38
